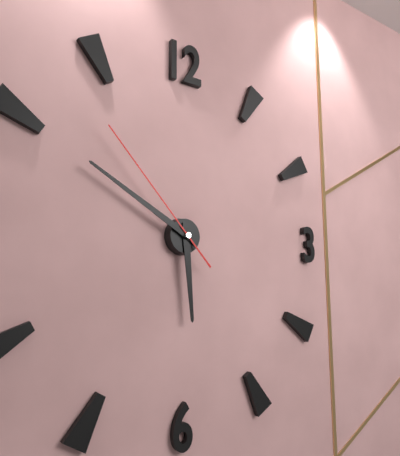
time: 5:50:53
